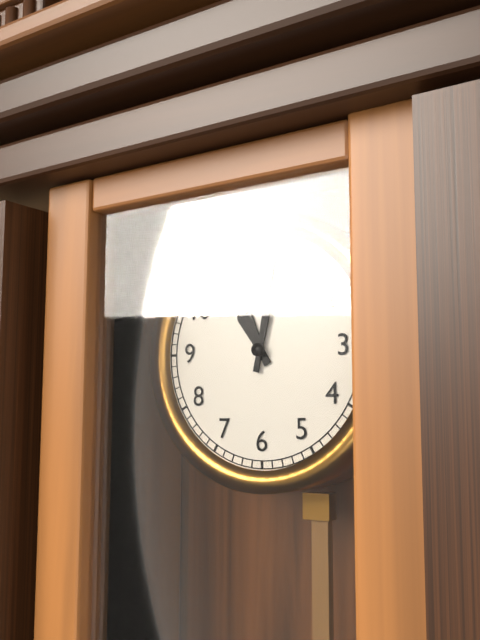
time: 11:02
